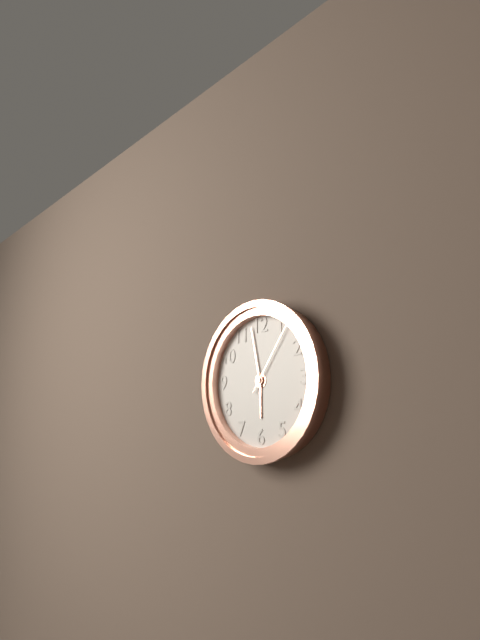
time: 5:58:06
